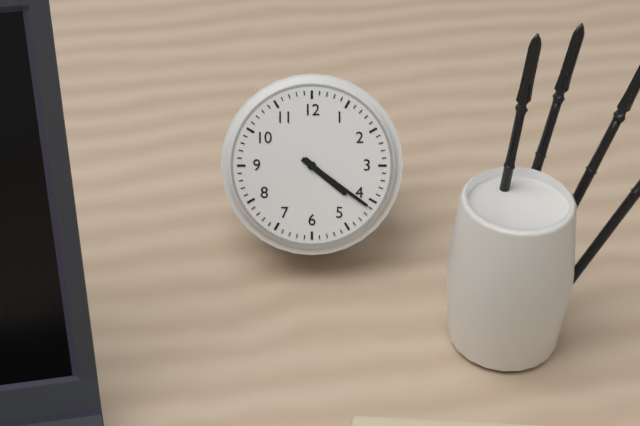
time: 4:21
